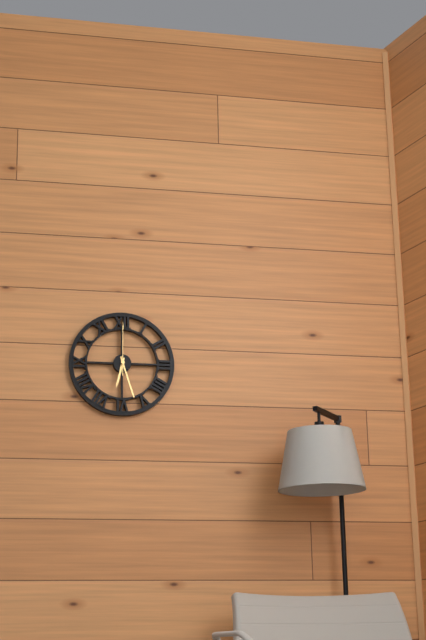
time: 6:27:00
